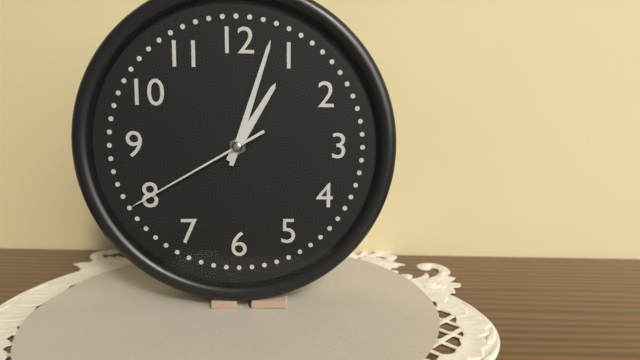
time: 1:03:40
